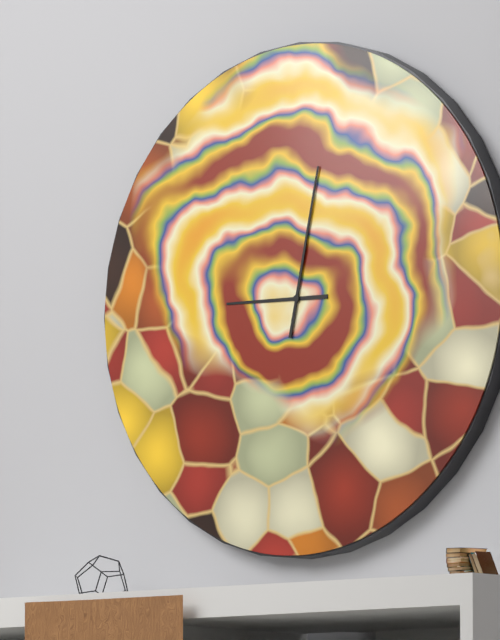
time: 9:02
